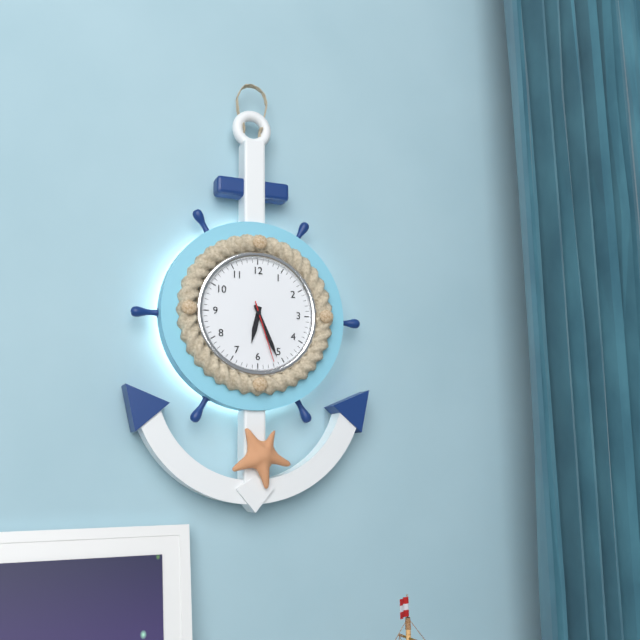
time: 6:26:27
